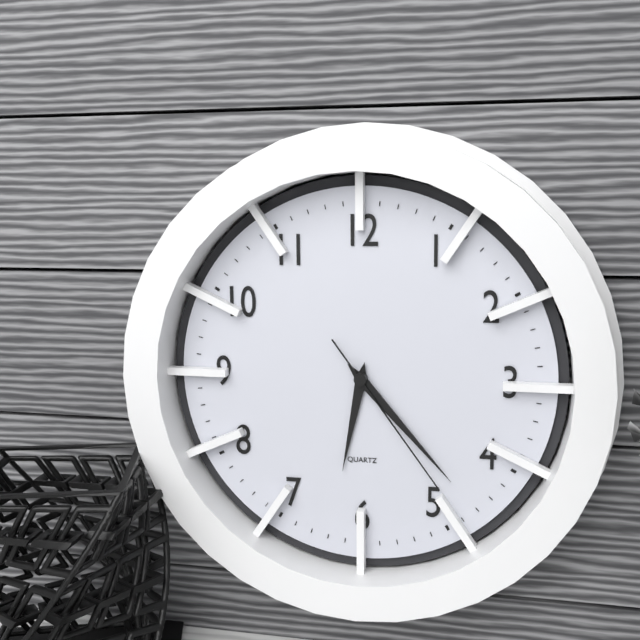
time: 6:23:24
